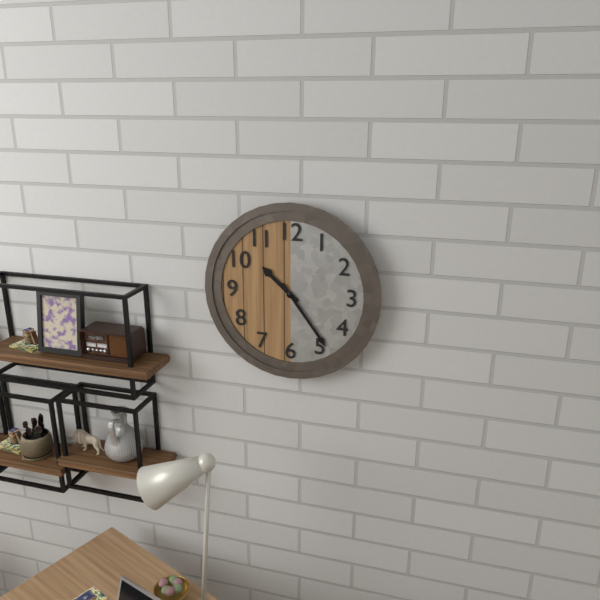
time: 10:24
